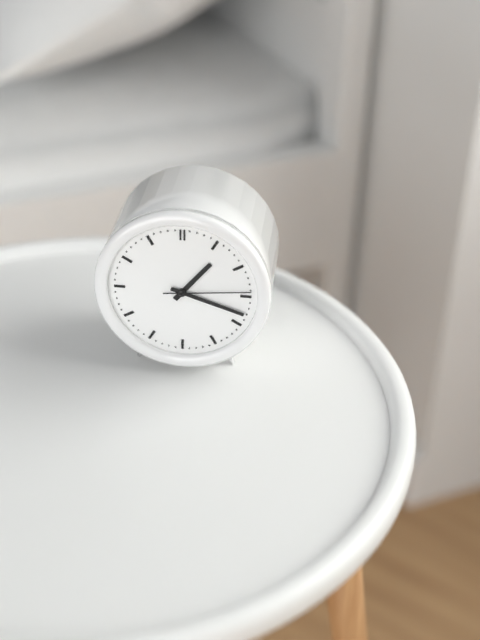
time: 1:18:14
